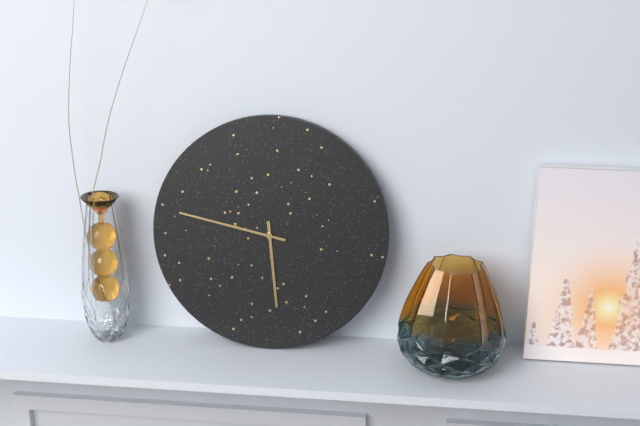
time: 5:47
